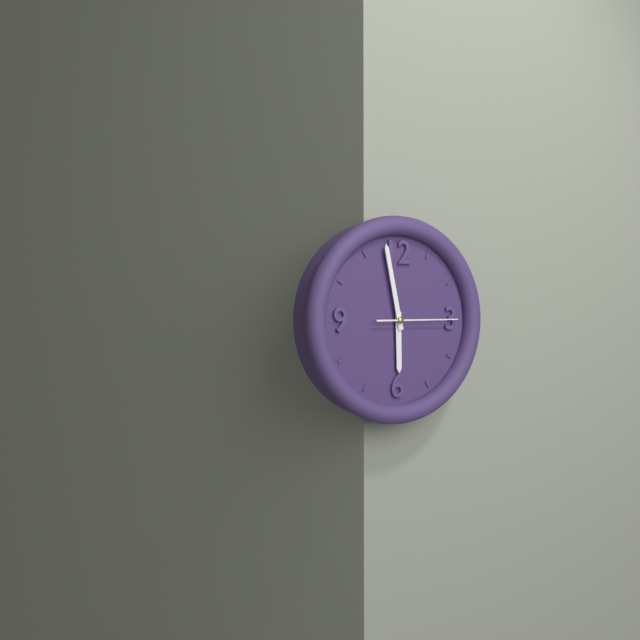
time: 5:58:15
